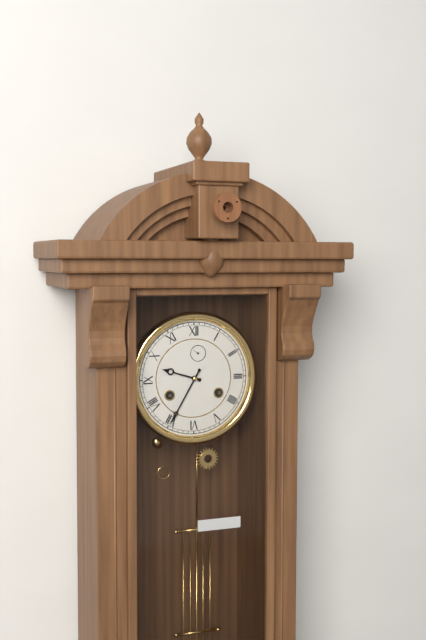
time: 9:35
